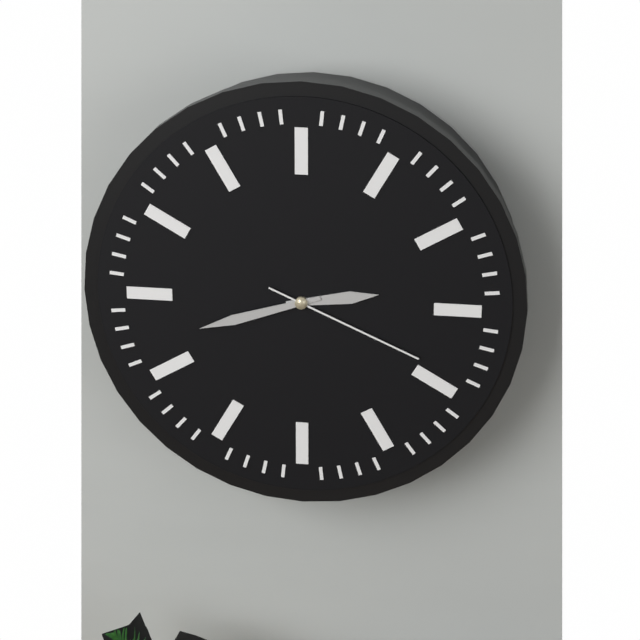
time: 2:42:19
